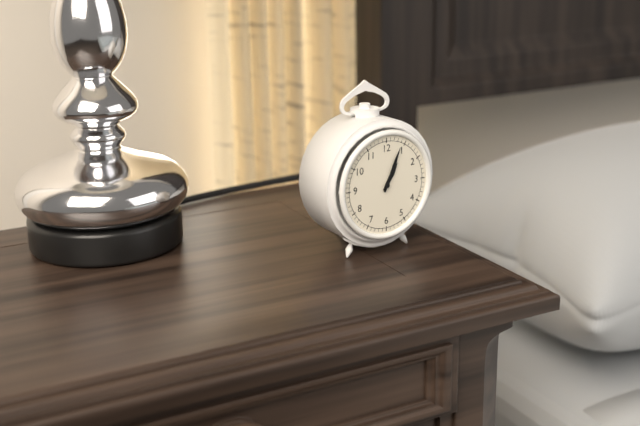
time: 1:04
